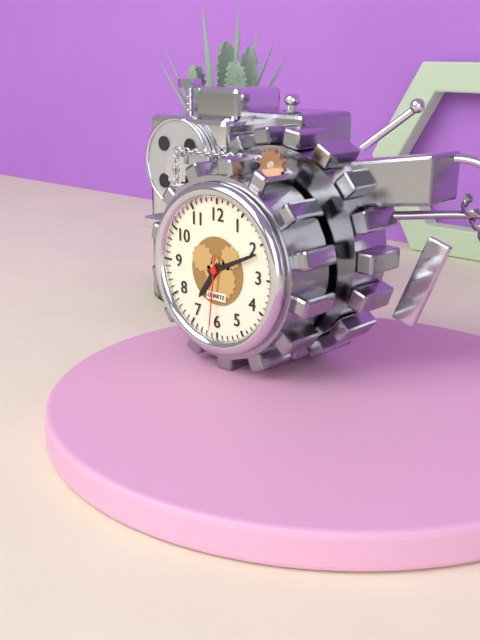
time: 7:11:31
